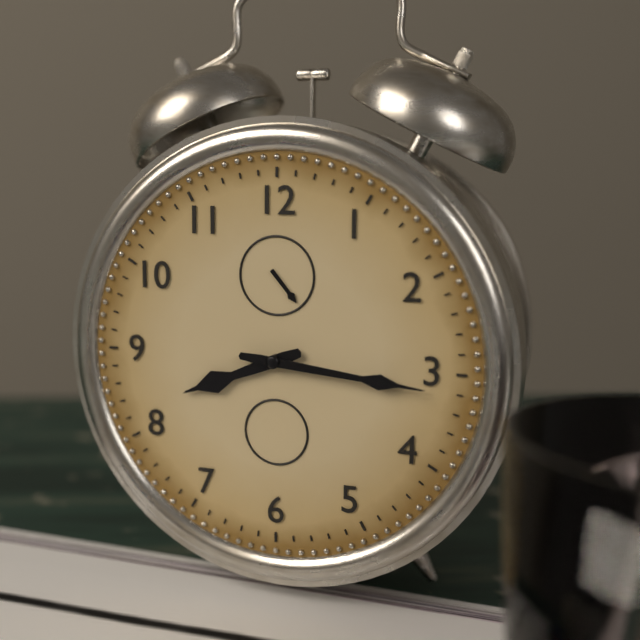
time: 8:16
